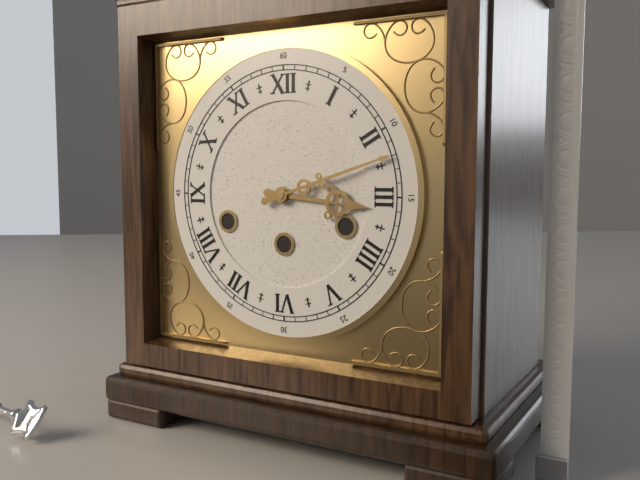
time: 3:12
